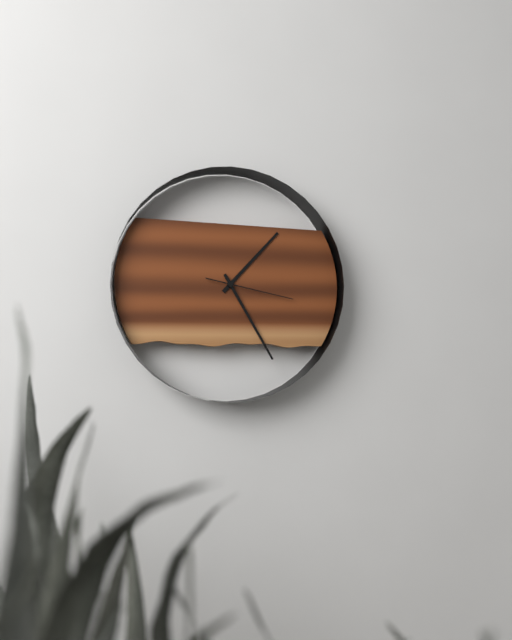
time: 1:25:17
